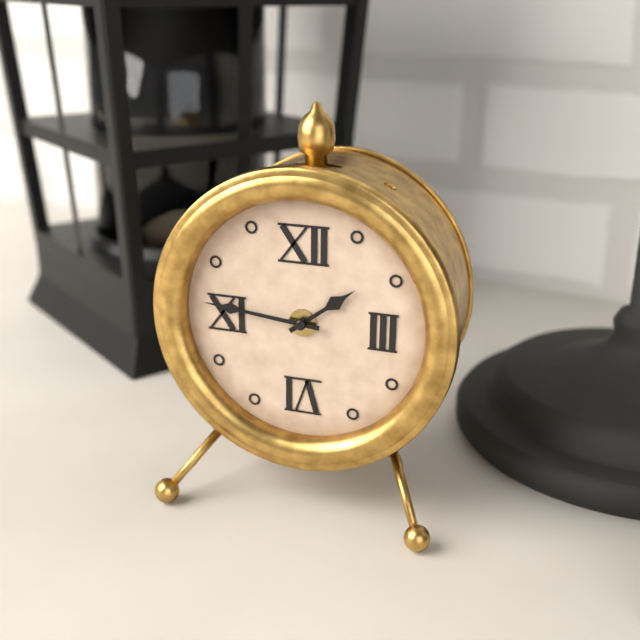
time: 1:46
